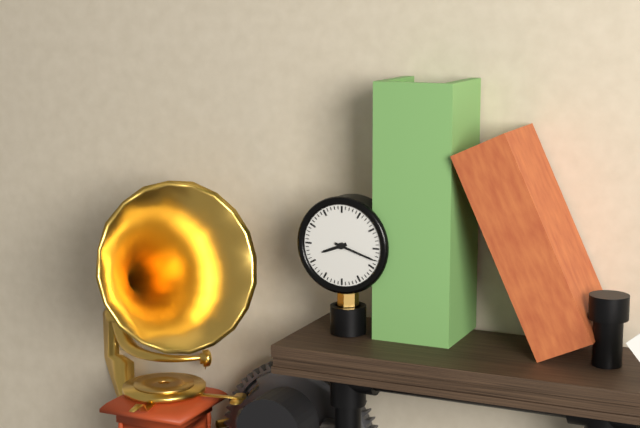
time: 8:18
